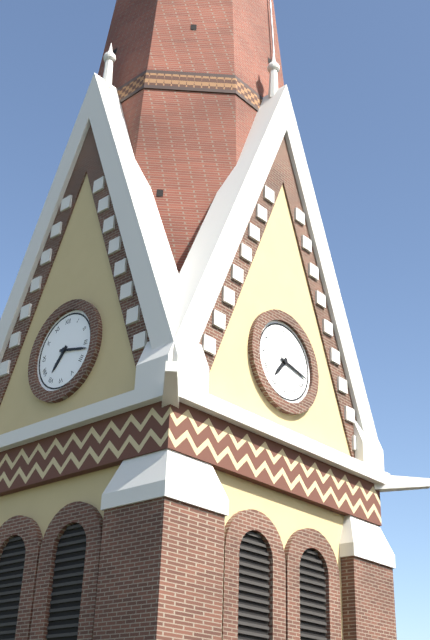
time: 7:17
